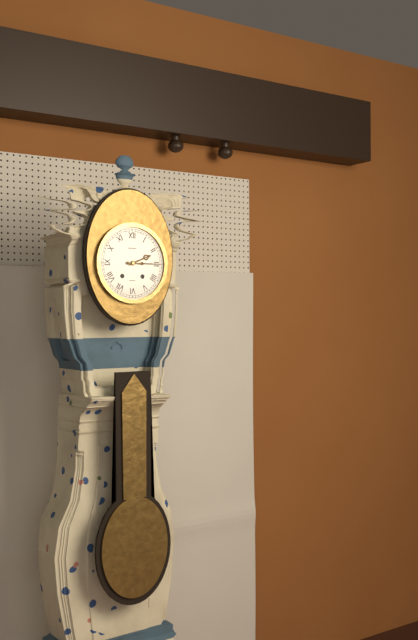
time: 2:15
